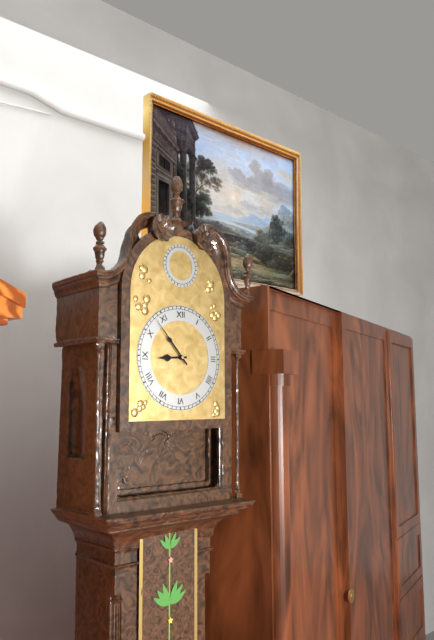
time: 8:53
